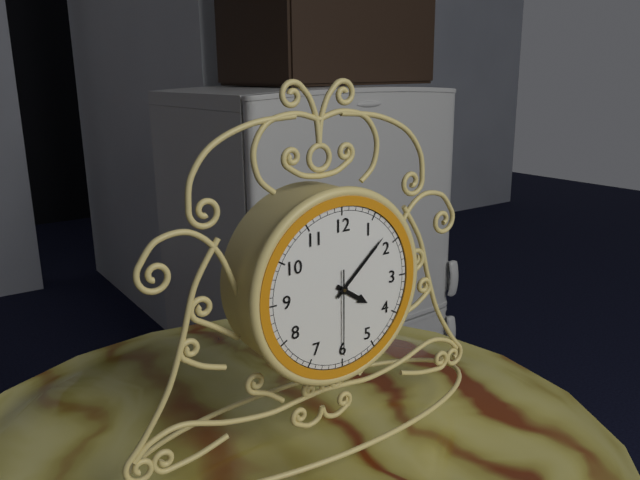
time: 4:08:30
